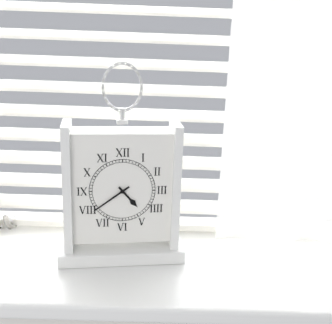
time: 4:39
